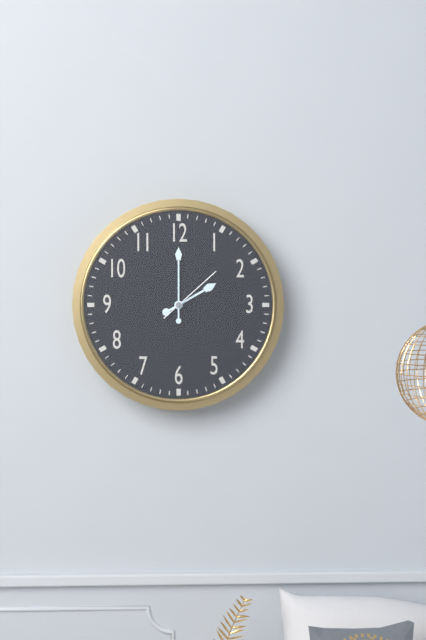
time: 2:00:08
